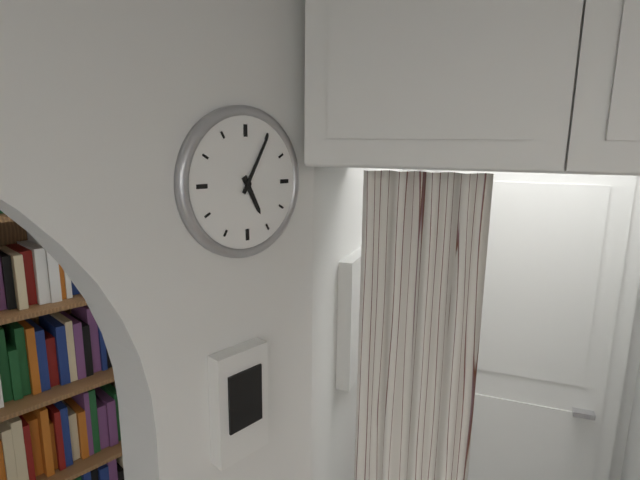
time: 5:05
